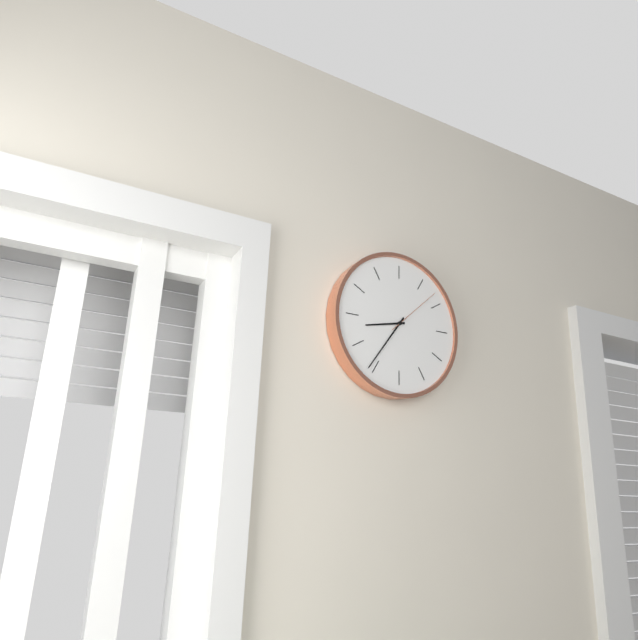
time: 8:36:08
